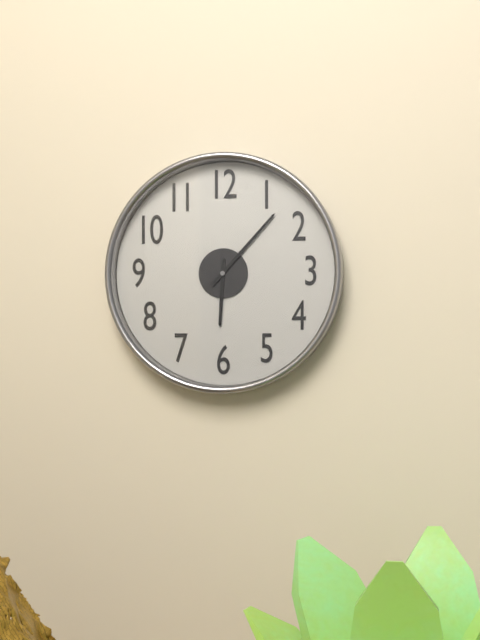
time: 6:07
